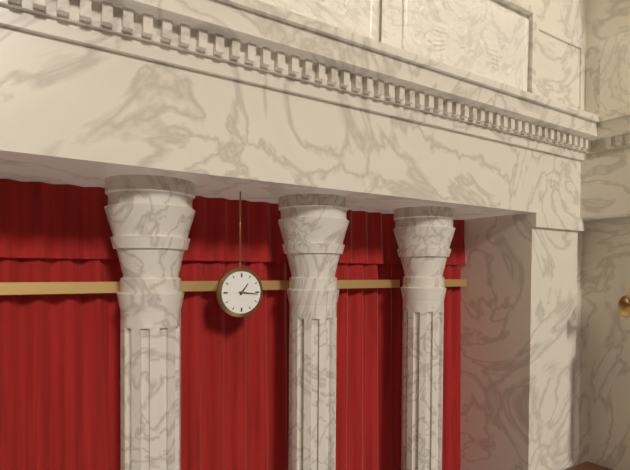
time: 1:16
